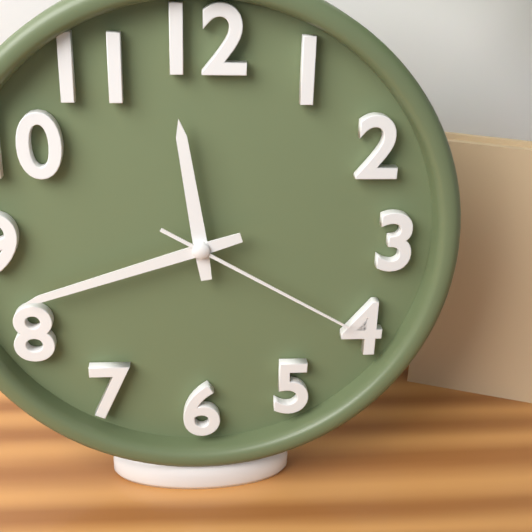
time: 11:42:20
